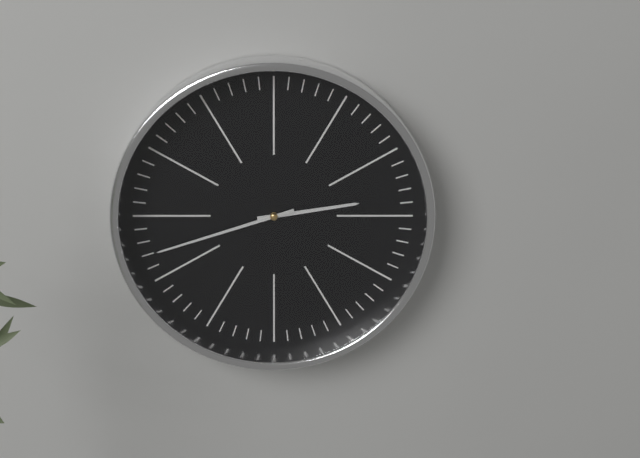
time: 2:42
